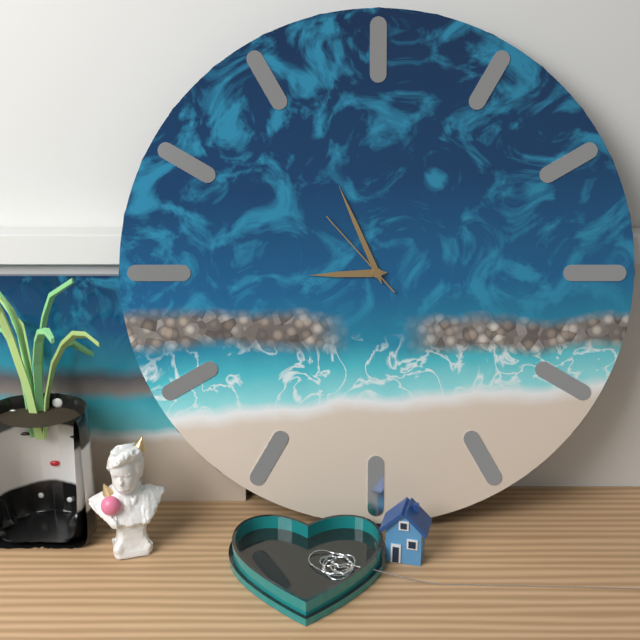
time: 8:56:53
